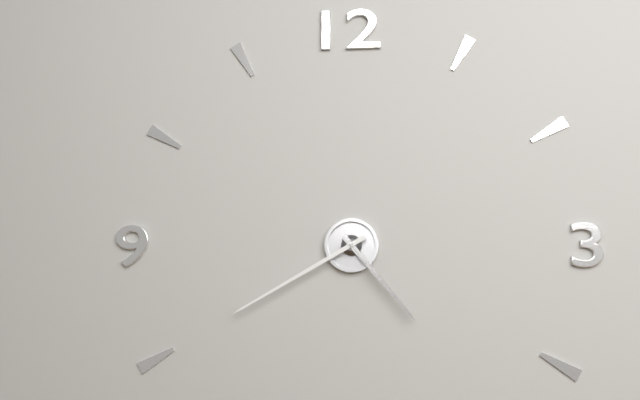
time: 4:40
